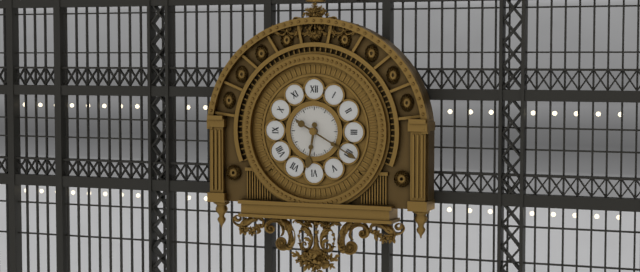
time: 6:20
